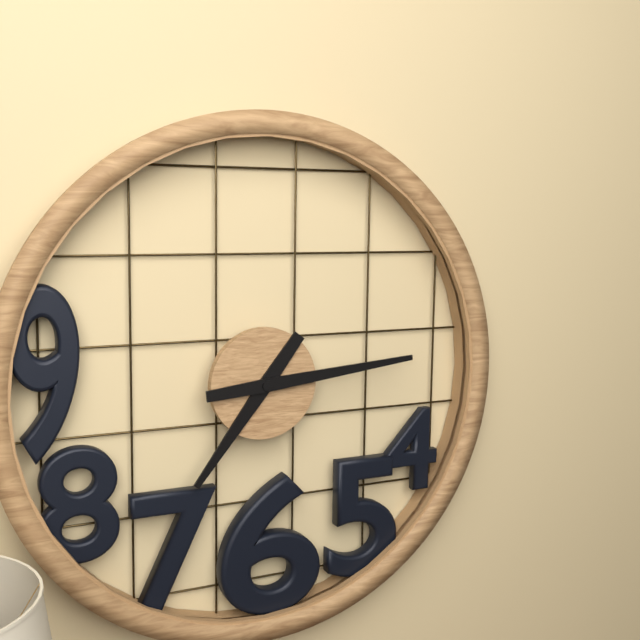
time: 7:14
